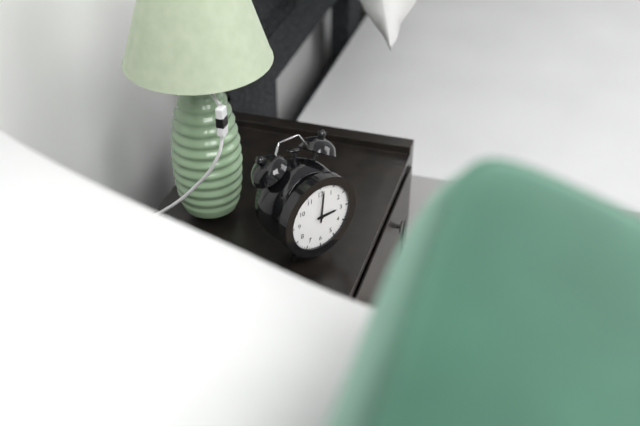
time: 3:01
